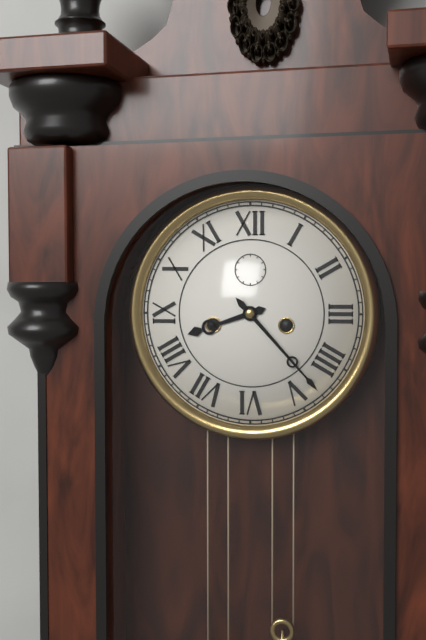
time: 8:23
